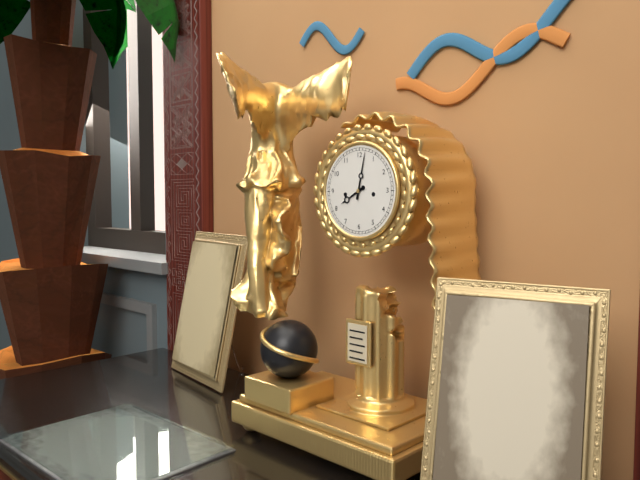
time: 8:02
